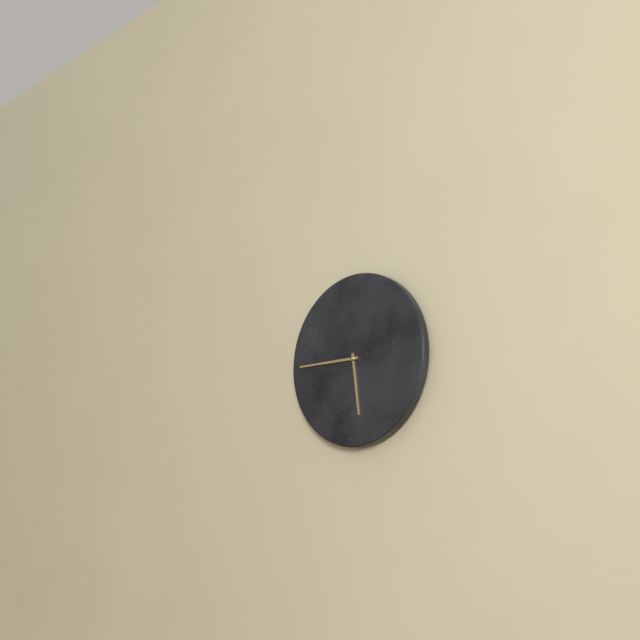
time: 5:45
